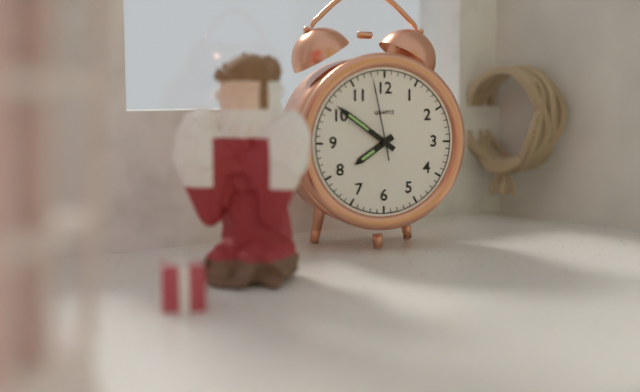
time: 7:51:58
